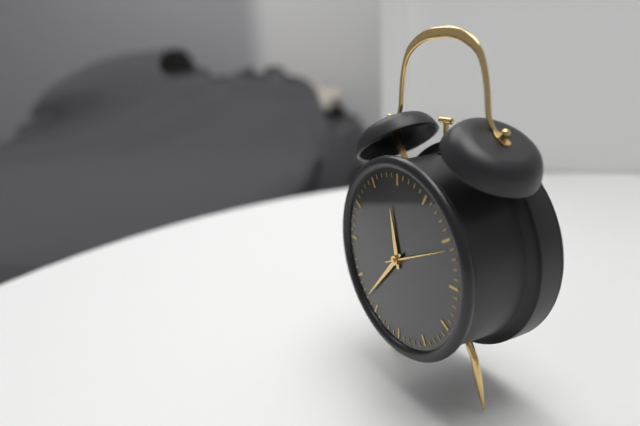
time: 11:37:11
